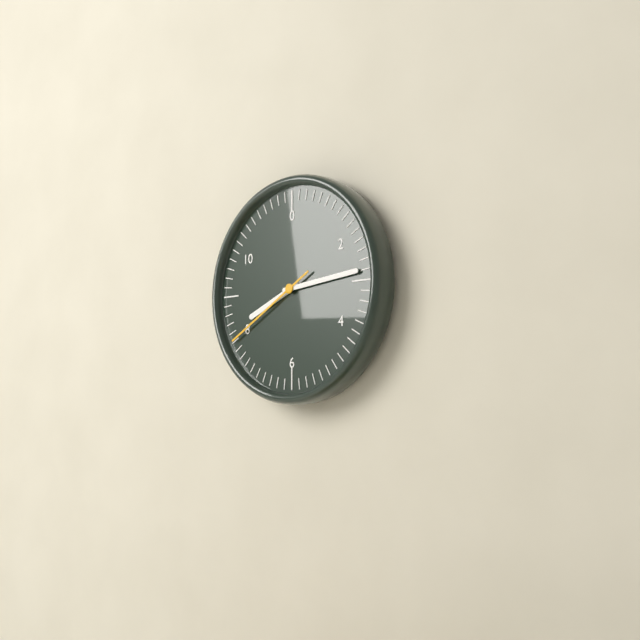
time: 8:14:40
